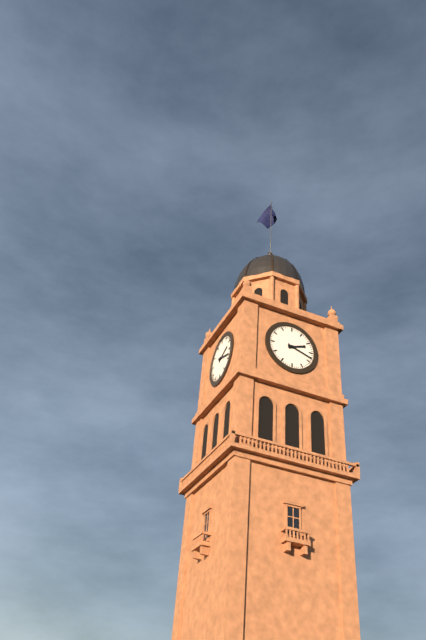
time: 2:18
